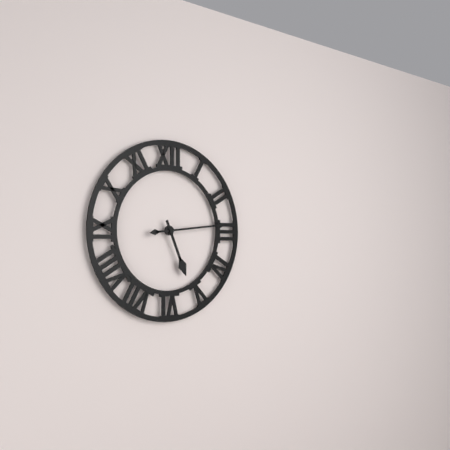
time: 5:14
